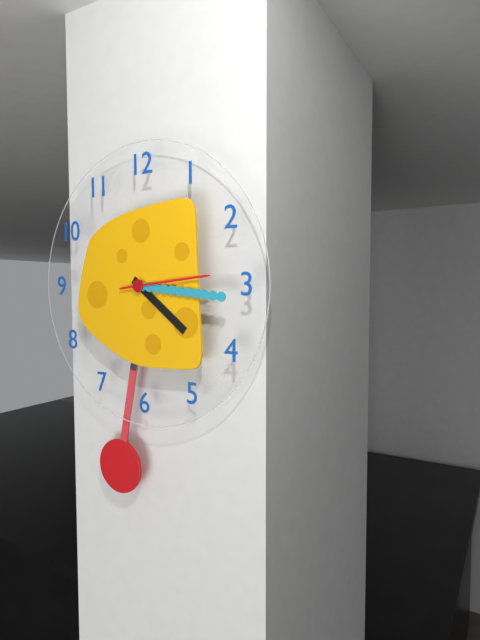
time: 4:16:14
